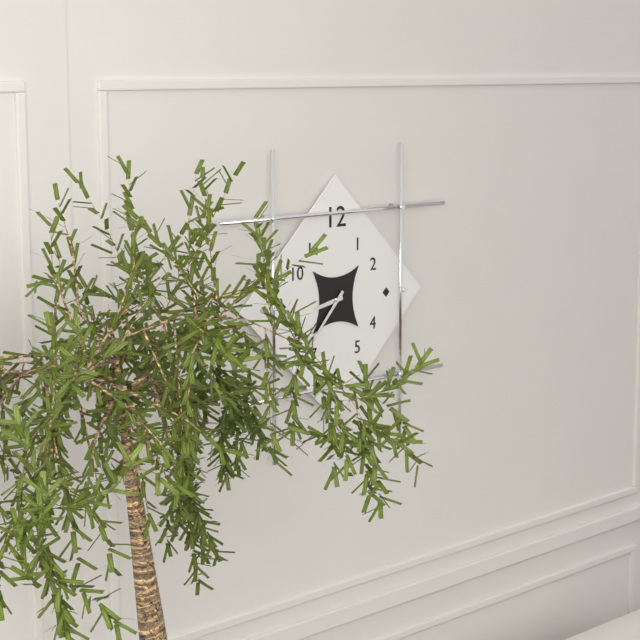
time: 8:37
